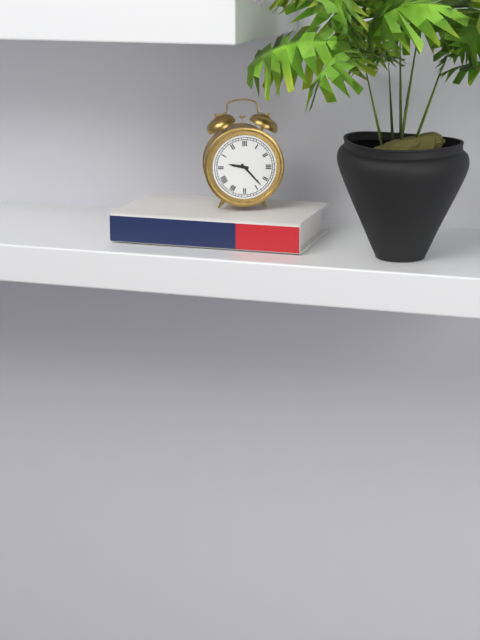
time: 9:23
